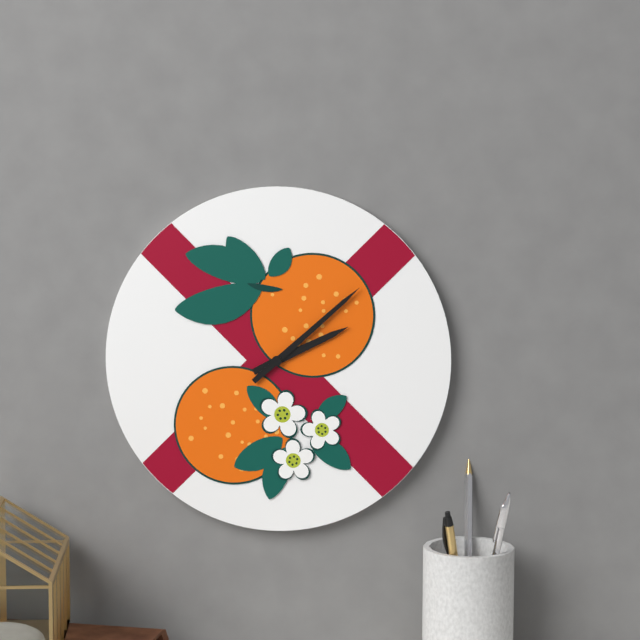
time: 2:08
